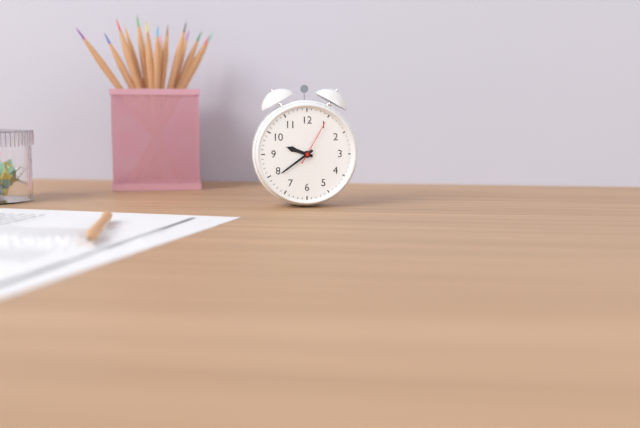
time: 9:39
